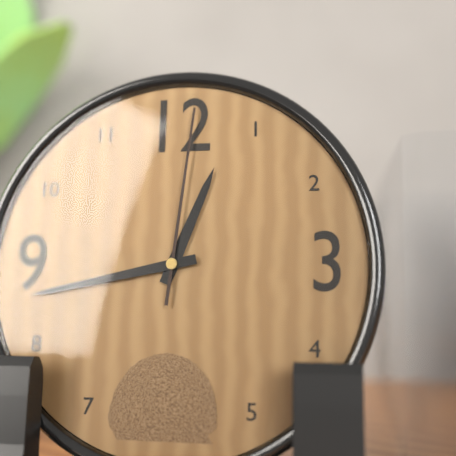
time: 12:43:01
